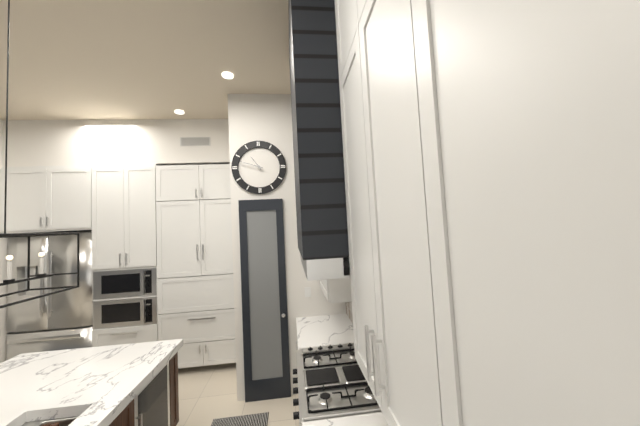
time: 10:48
